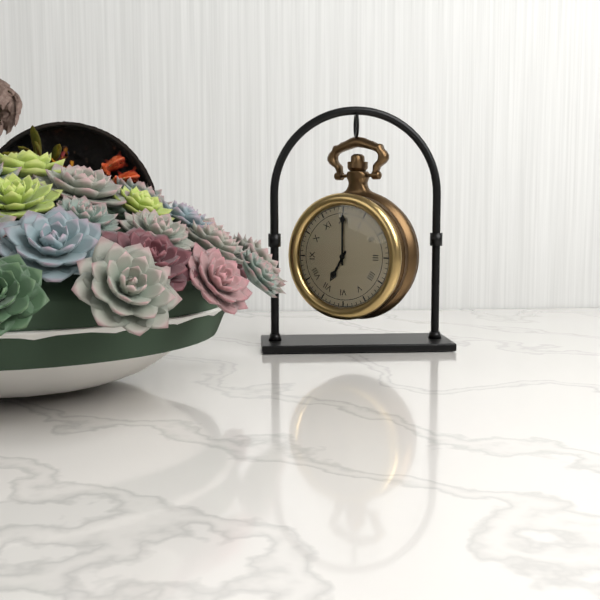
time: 7:00
